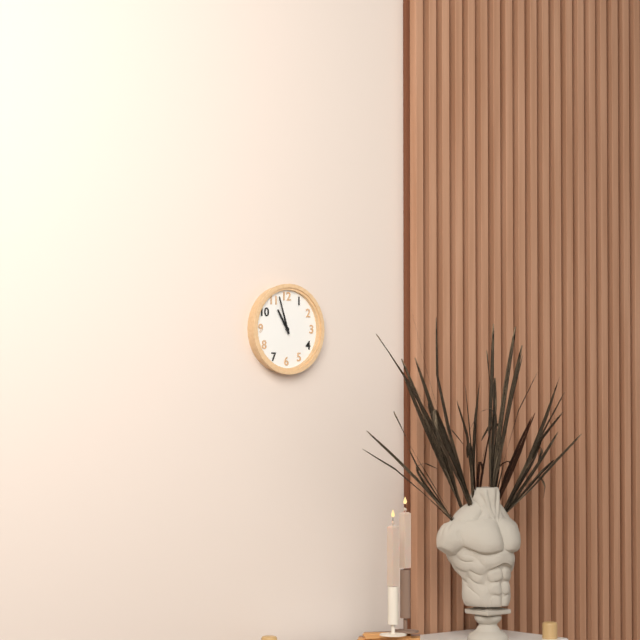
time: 10:57
